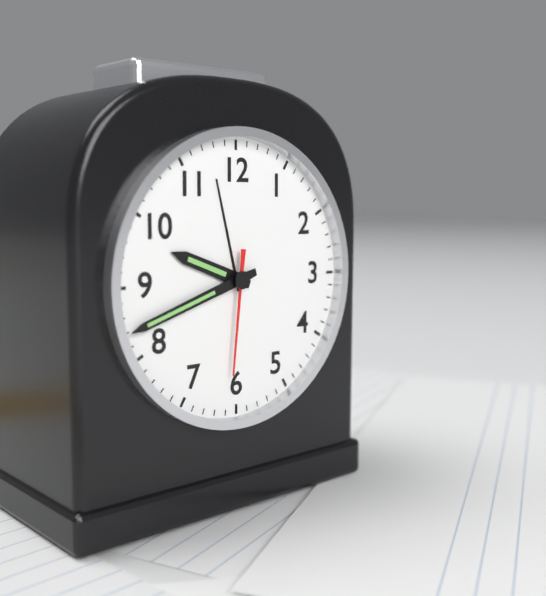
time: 9:42:31
